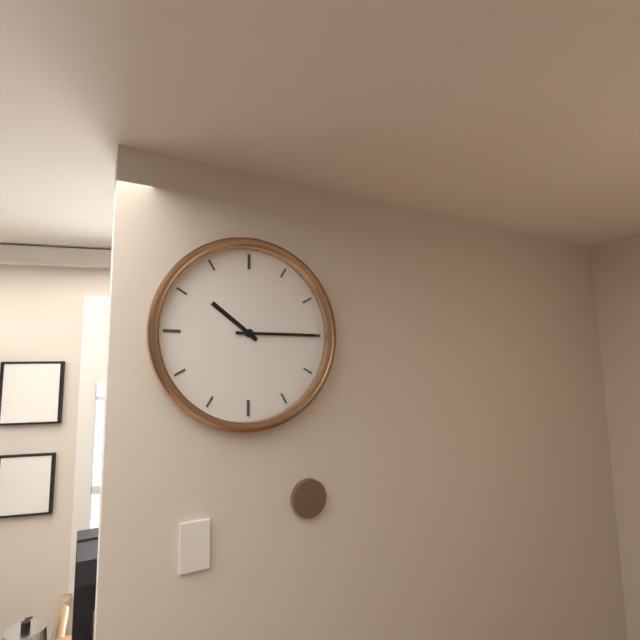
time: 10:15
